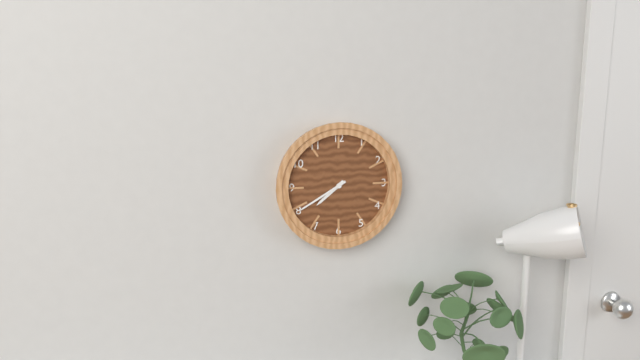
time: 7:40
